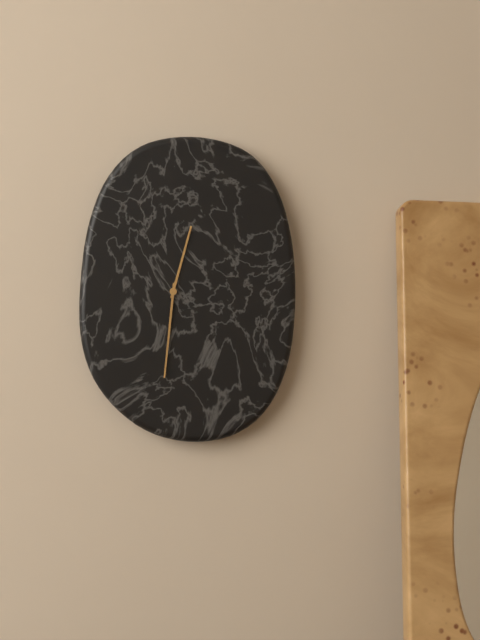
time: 12:31
